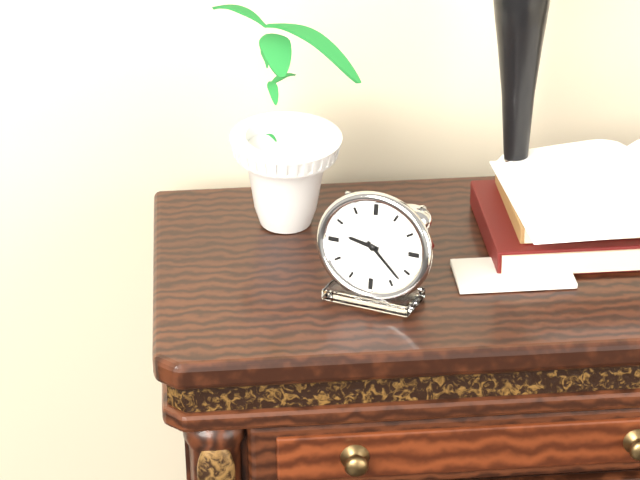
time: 9:22
